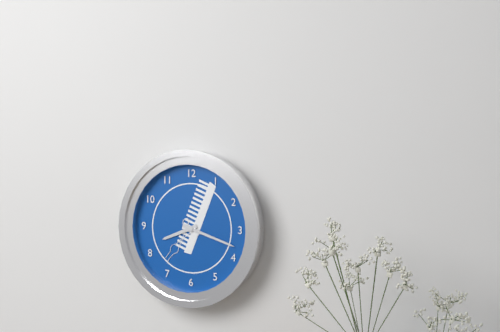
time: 8:18
